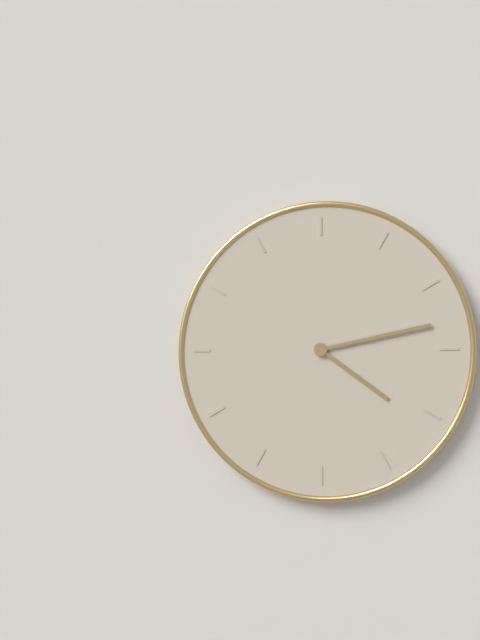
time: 4:13
